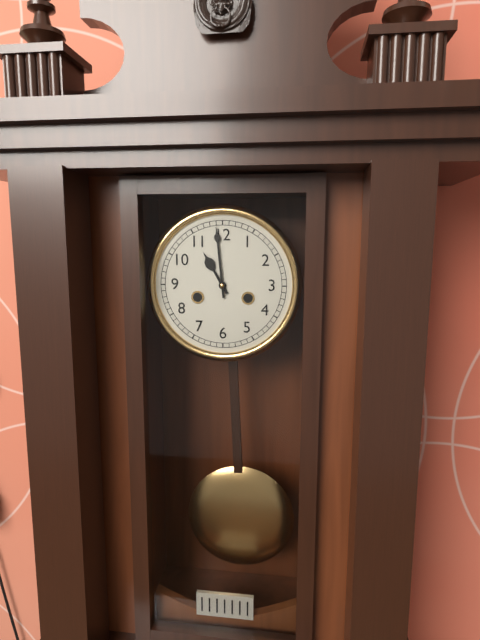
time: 10:59
